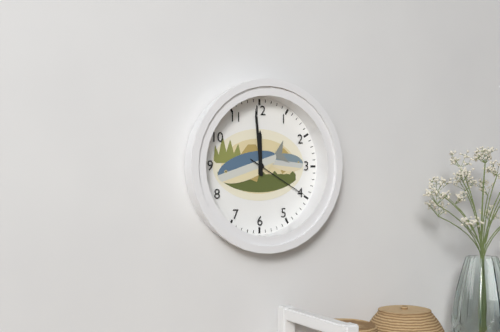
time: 11:59:20
